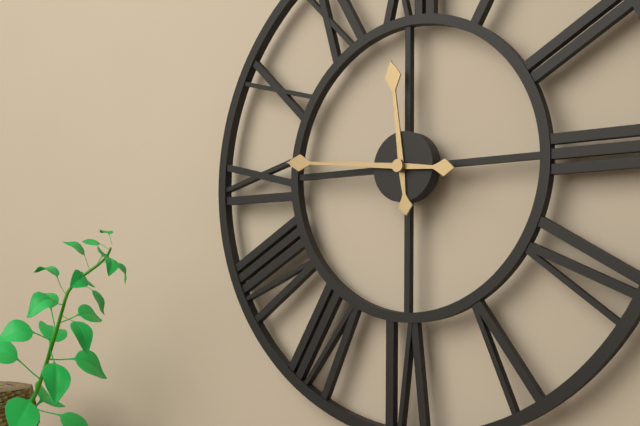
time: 11:46
